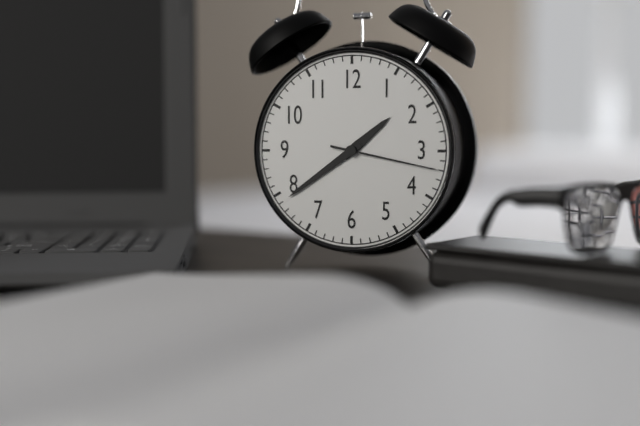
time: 1:39:17
